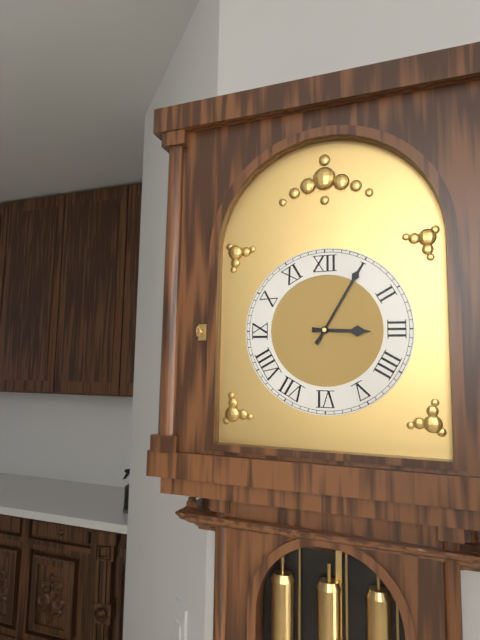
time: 3:05
